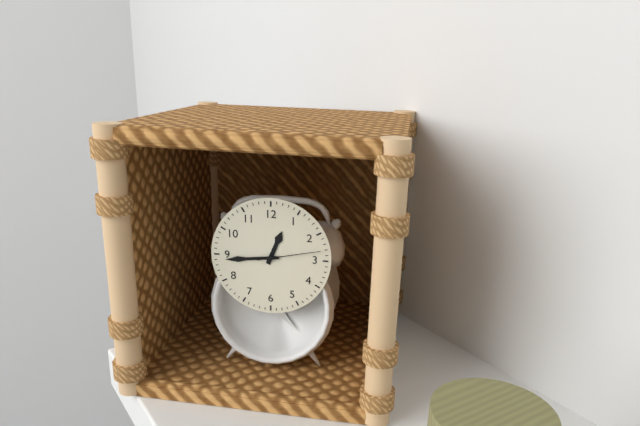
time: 12:44:13
